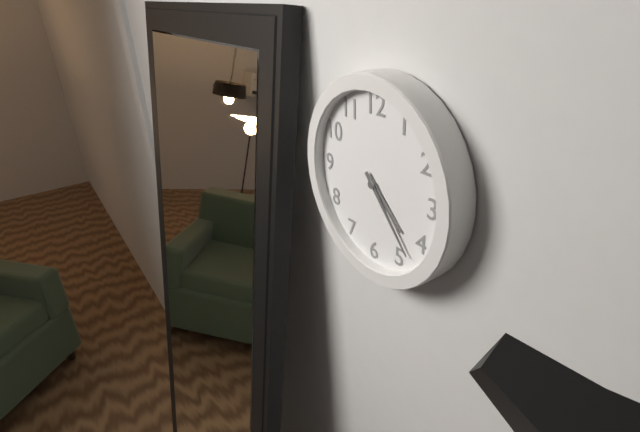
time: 4:23
